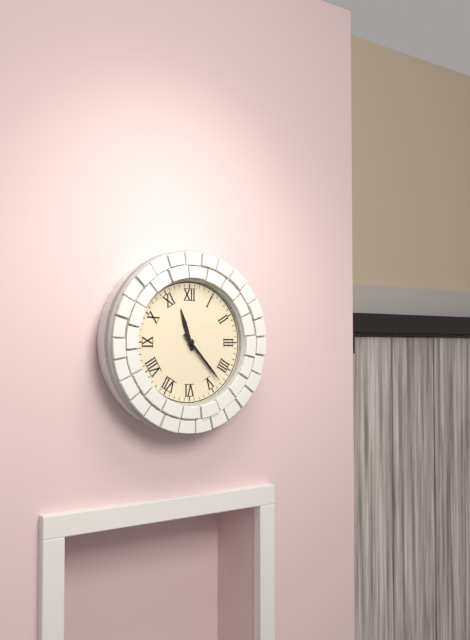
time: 11:23
